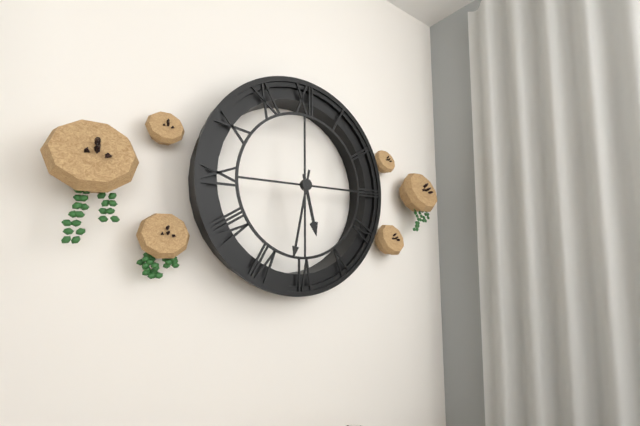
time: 5:32
